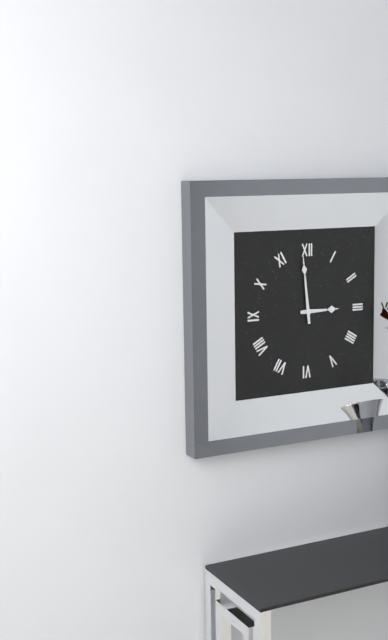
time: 2:59
